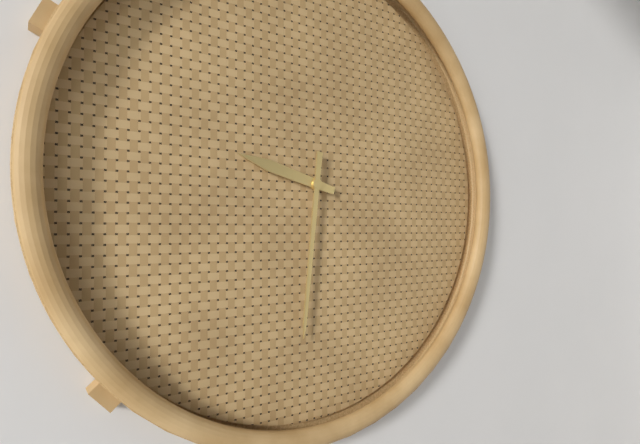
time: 9:31
